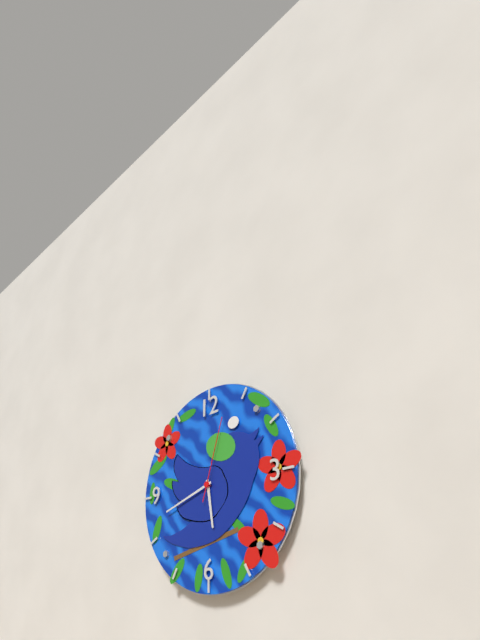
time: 5:42:03
